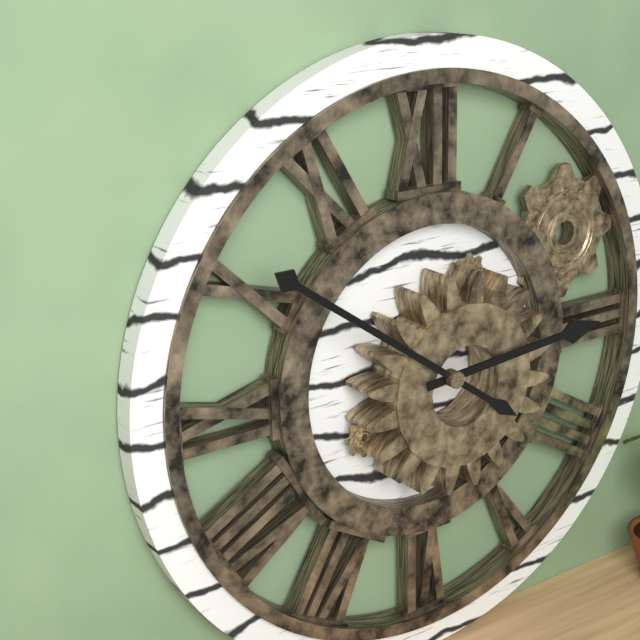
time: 2:51
